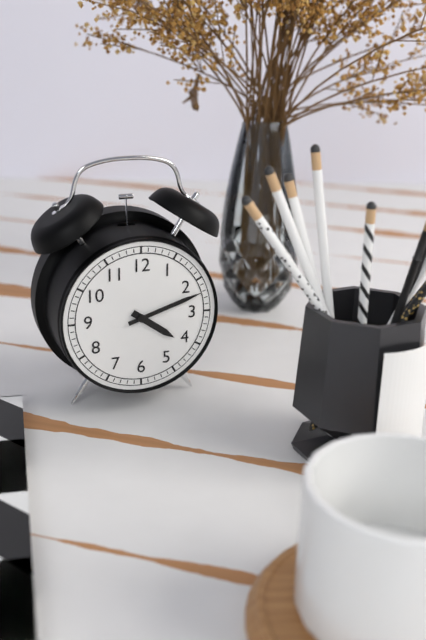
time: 4:12
